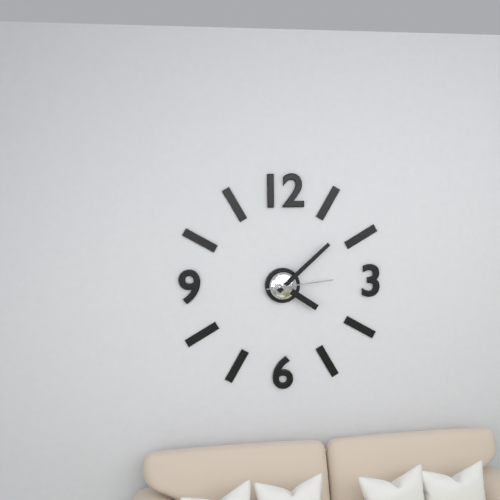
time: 4:08:14
